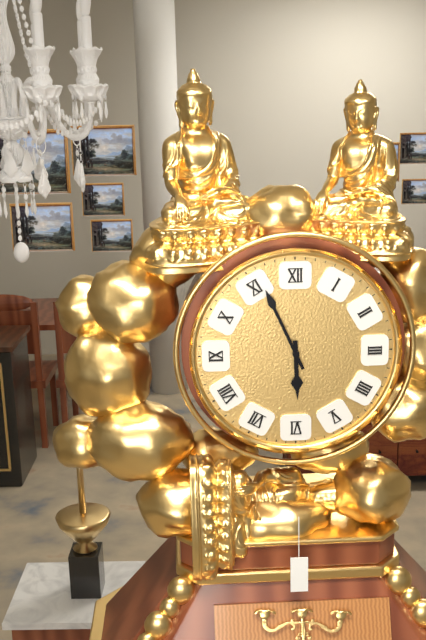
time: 5:56
